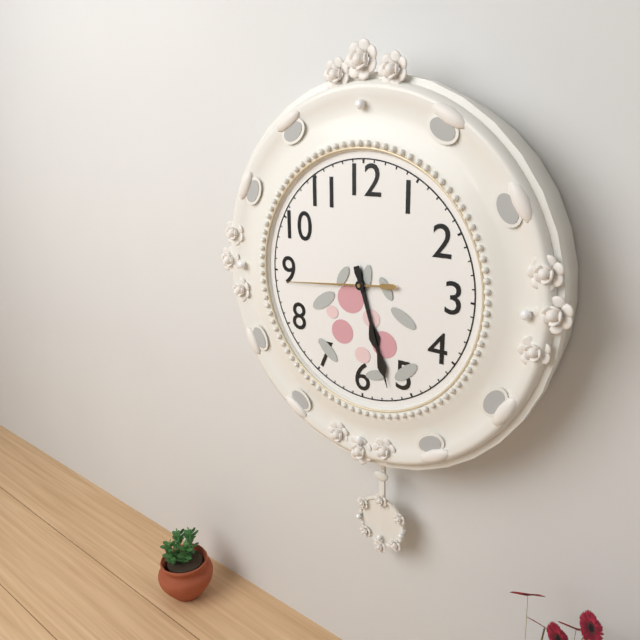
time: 5:27:44
